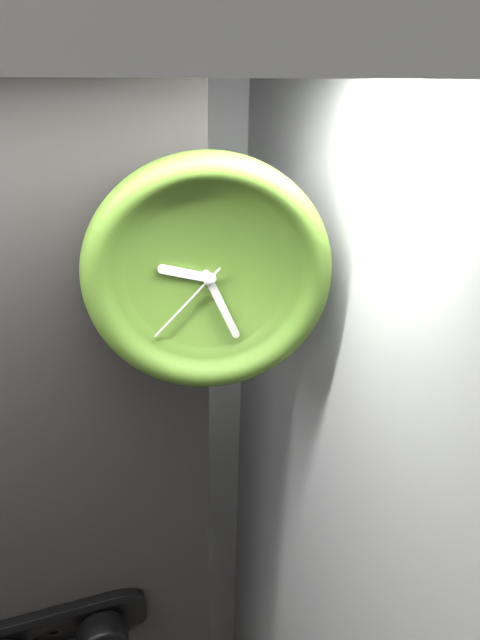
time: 9:26:37
